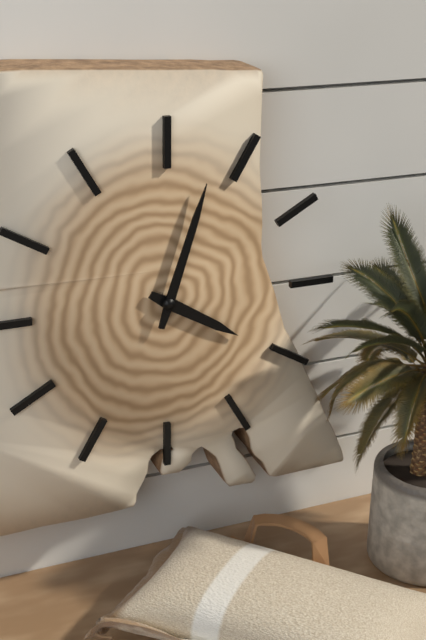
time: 4:03
